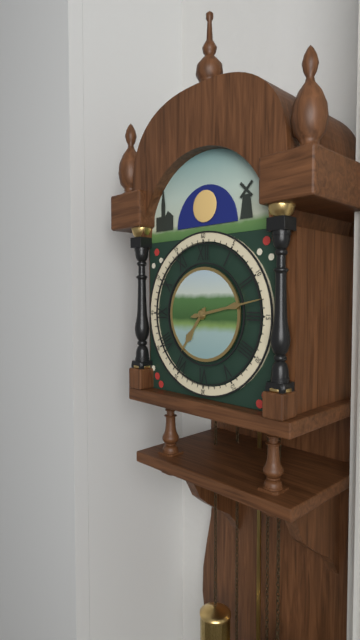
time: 7:13
